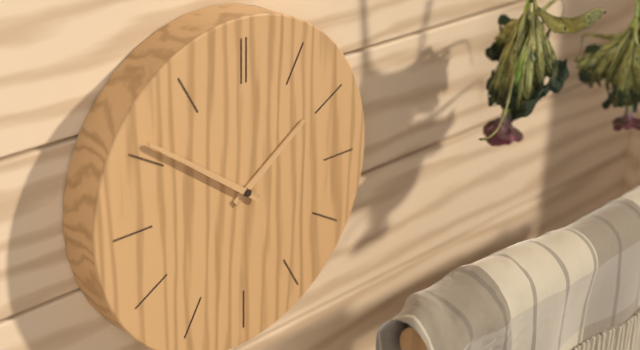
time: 1:51
